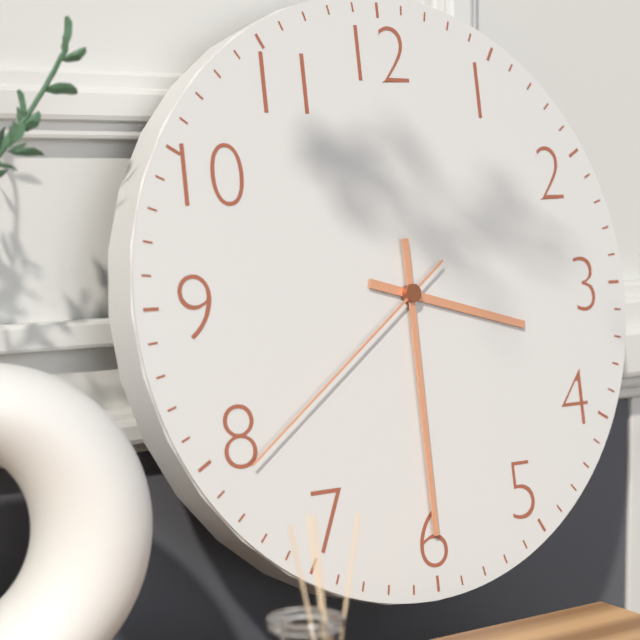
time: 3:30:39
